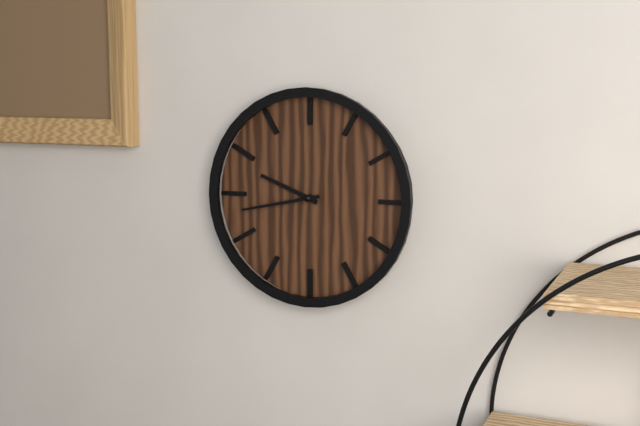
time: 9:43
